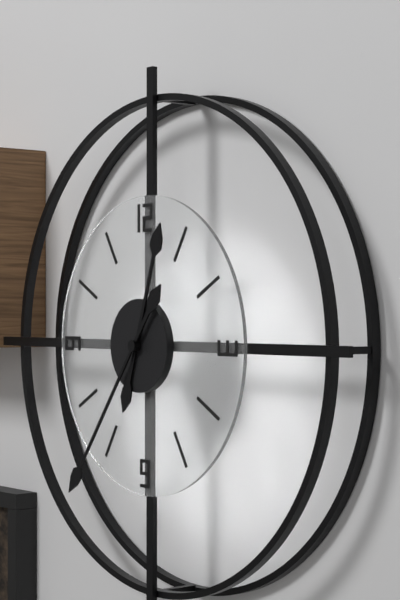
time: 12:36
